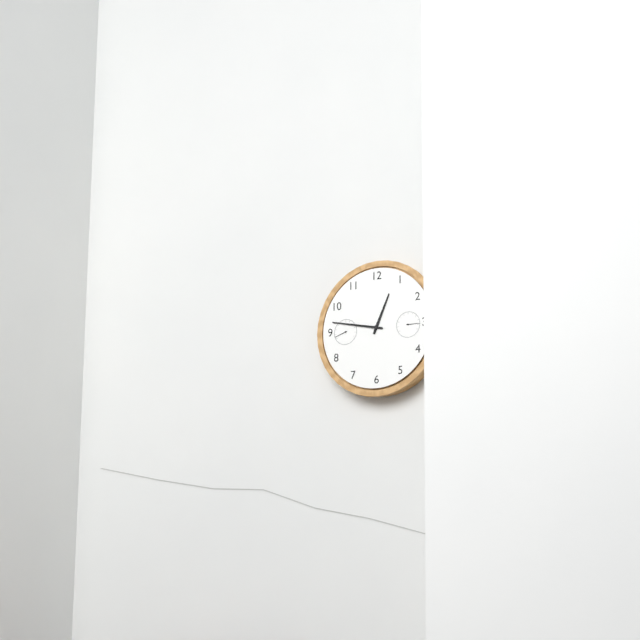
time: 12:47
